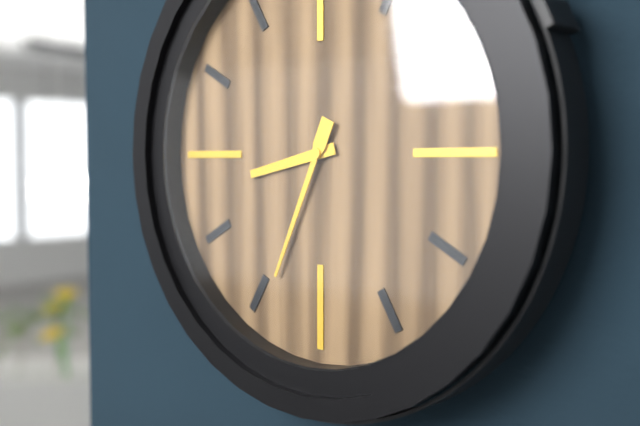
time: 8:34
